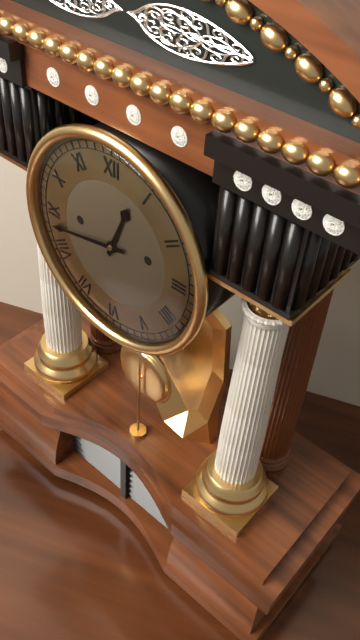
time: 12:43
